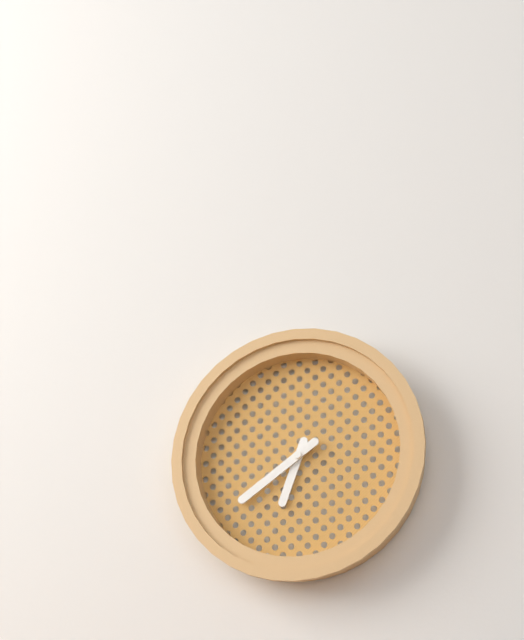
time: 6:39
